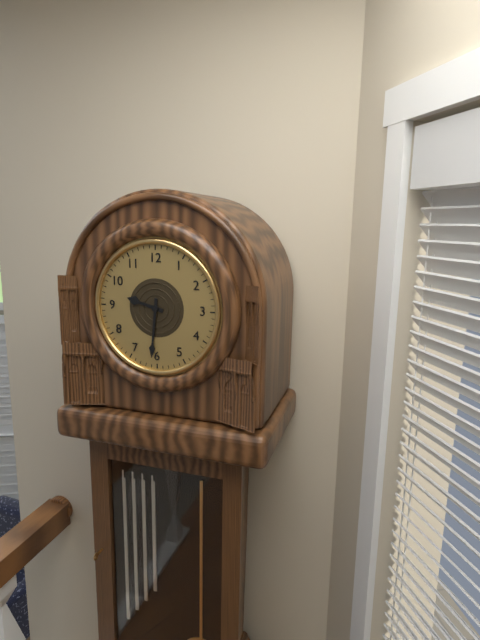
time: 9:31
